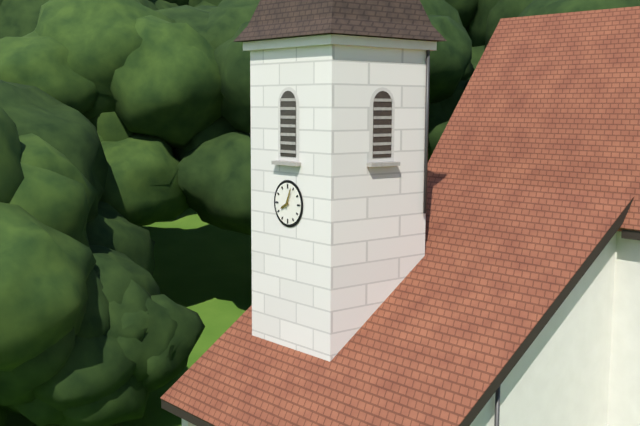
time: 8:04
